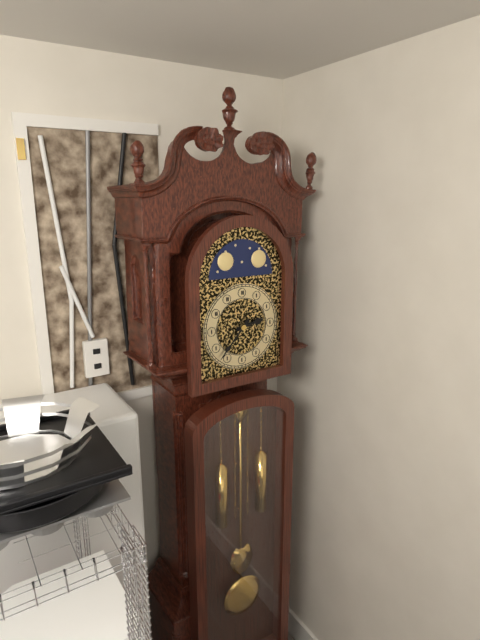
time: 2:37
